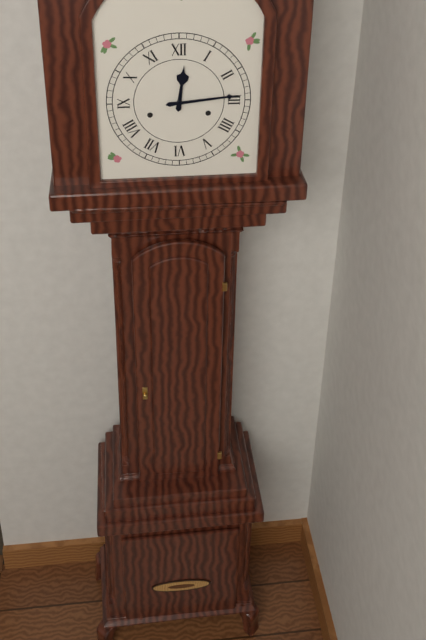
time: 12:14
